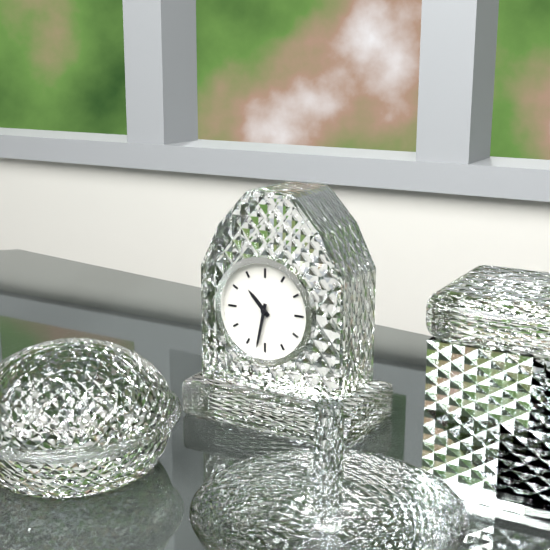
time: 10:32
